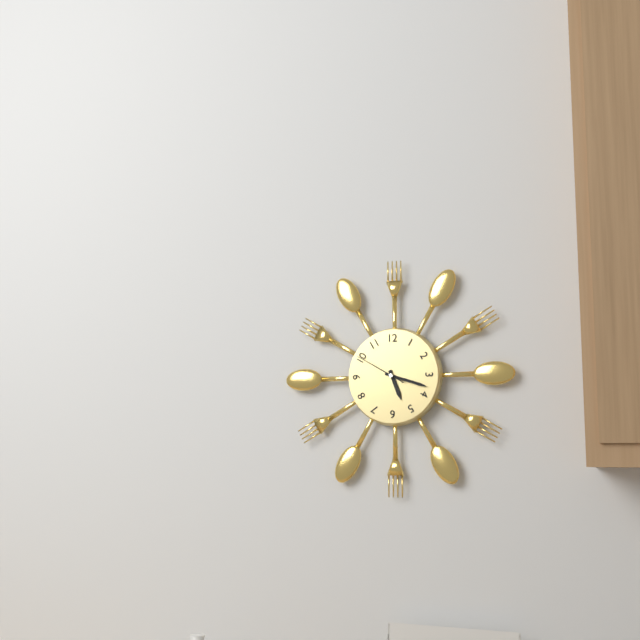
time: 5:18
